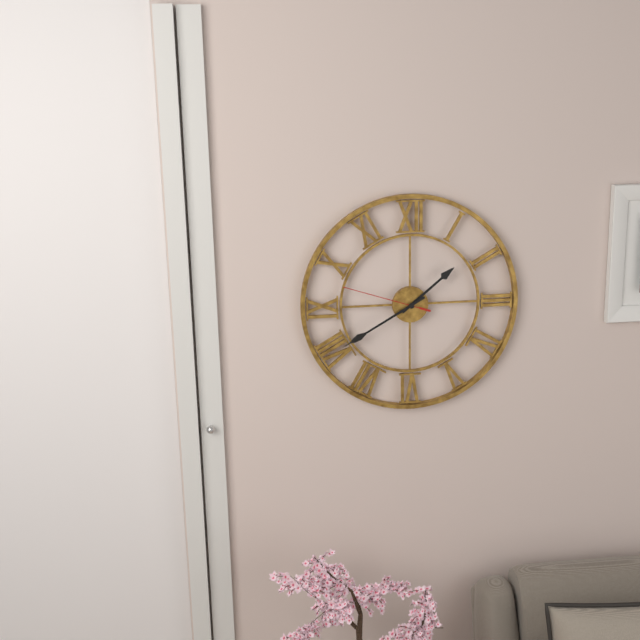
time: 1:40:48
